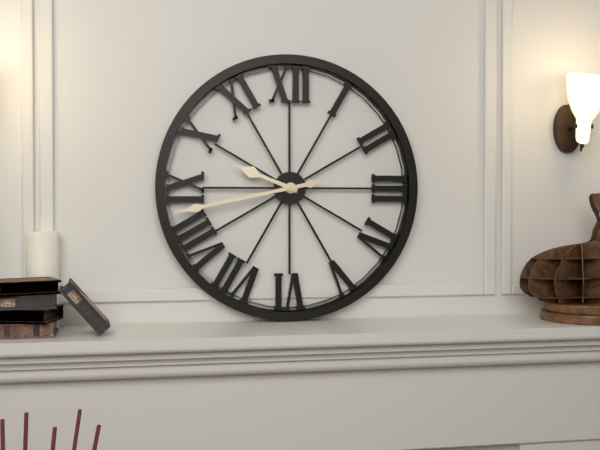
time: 9:43
